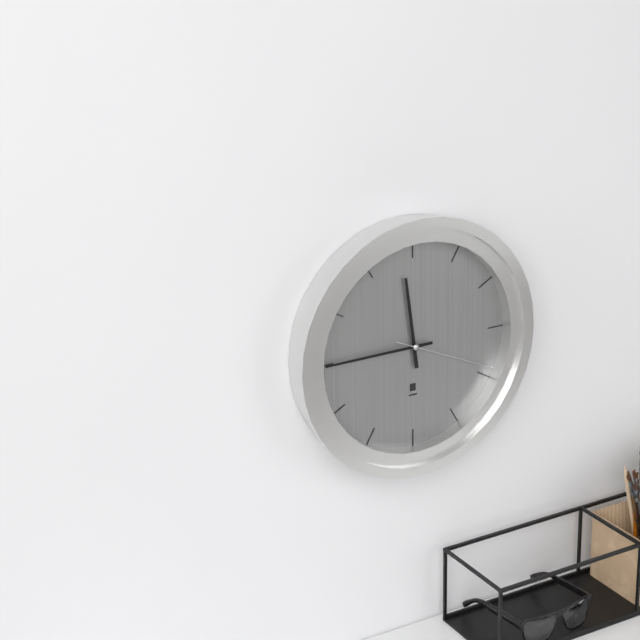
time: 11:45:19
